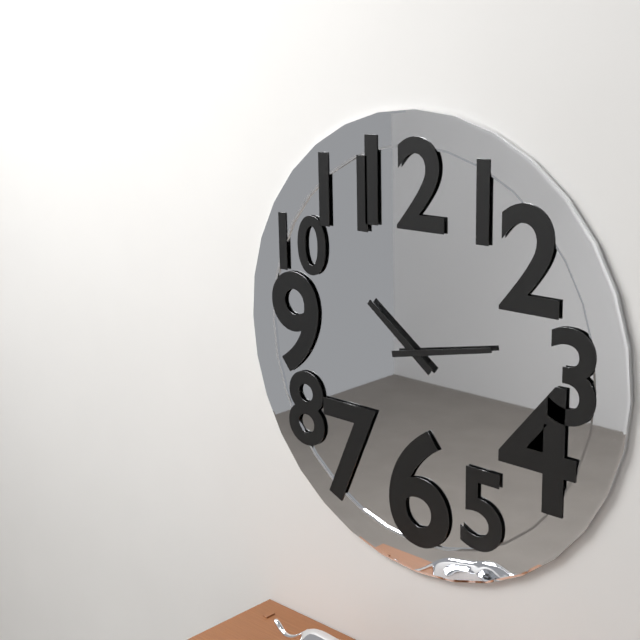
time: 10:13
